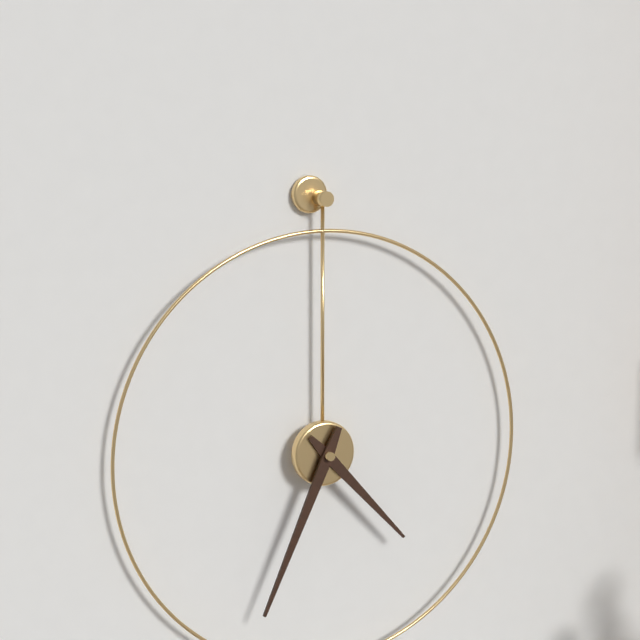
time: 4:34
